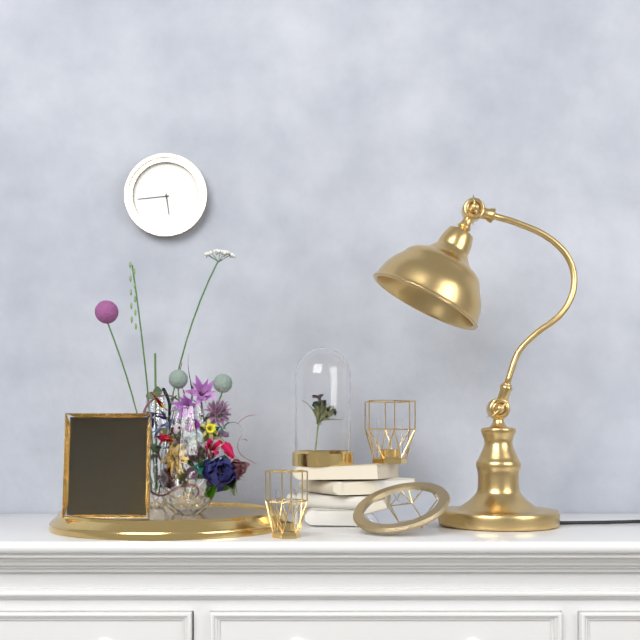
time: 5:44
